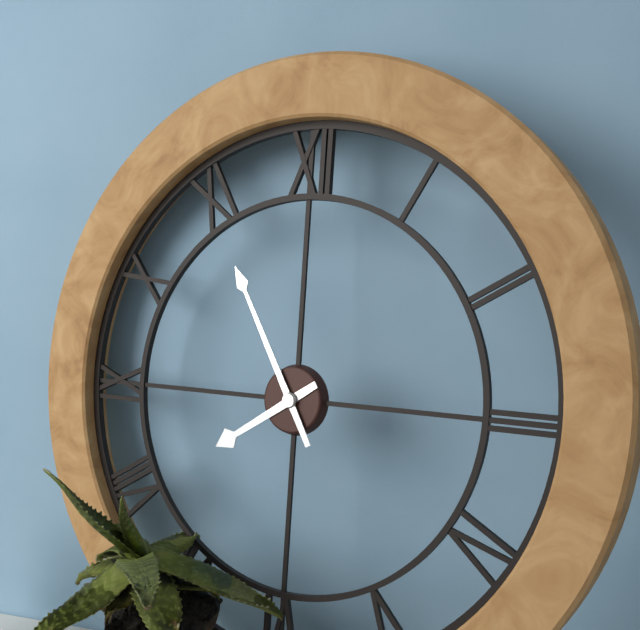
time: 7:55
